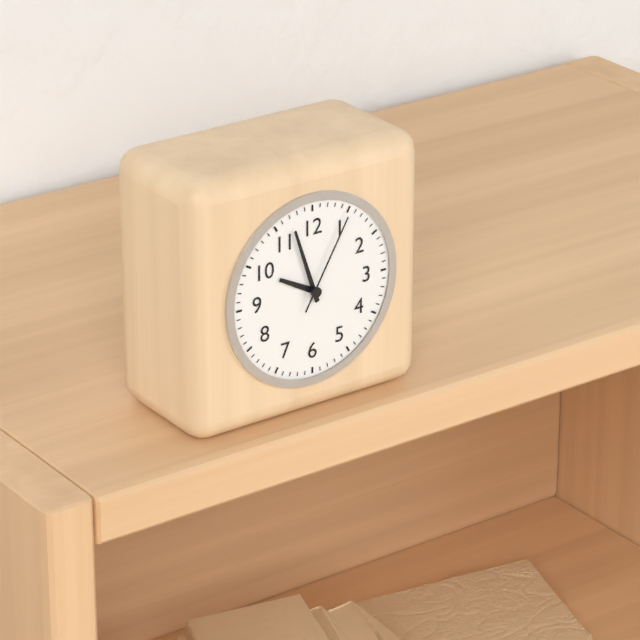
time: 9:57:05
